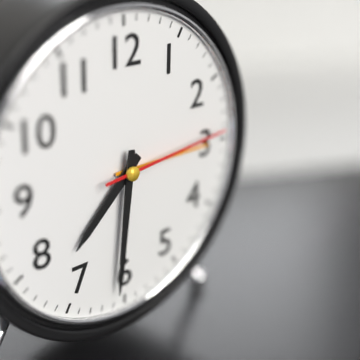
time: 7:31:14
